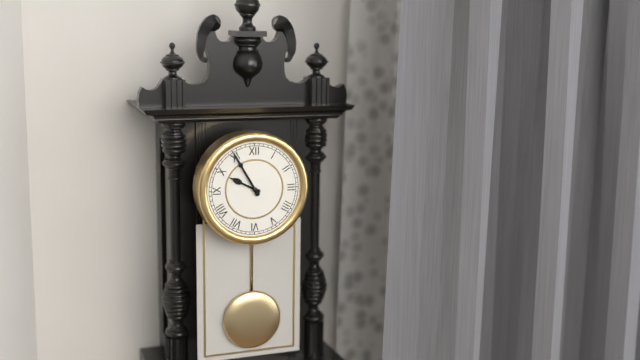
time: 9:55
